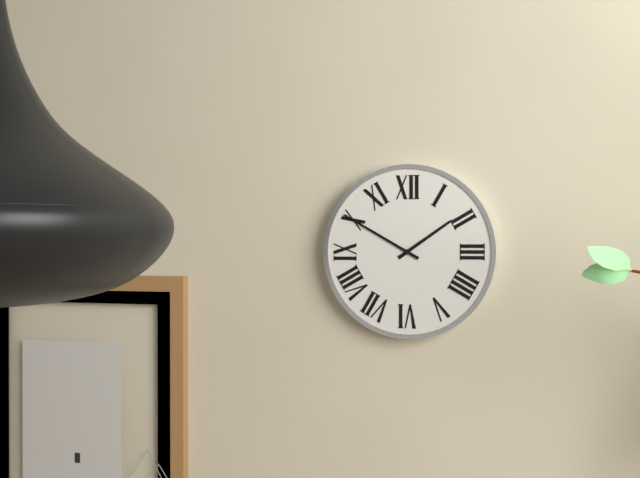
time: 1:50
